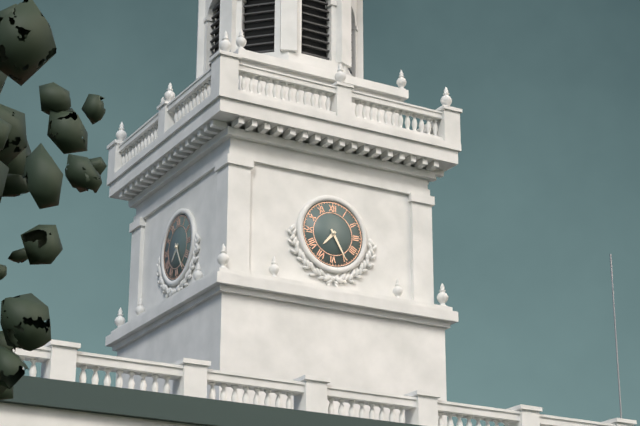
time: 7:25
